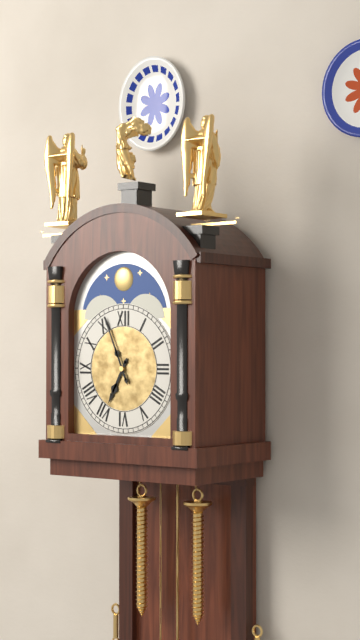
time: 6:56
